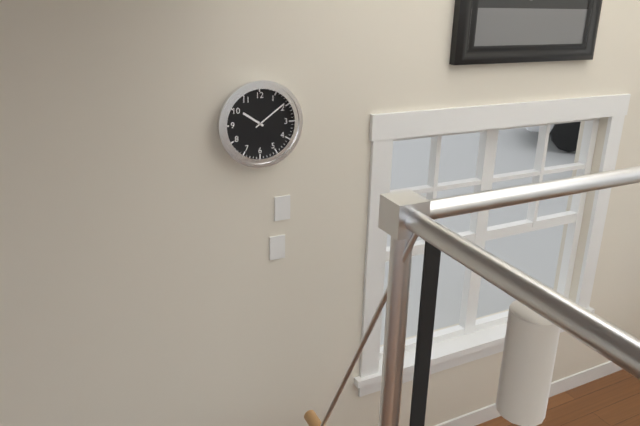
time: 10:09
